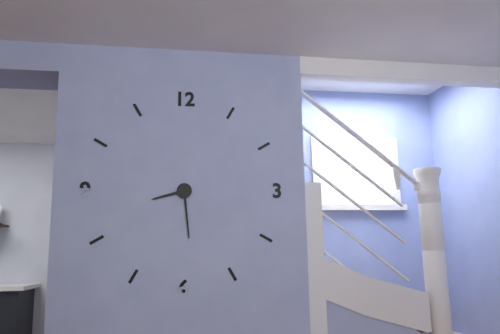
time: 8:29
